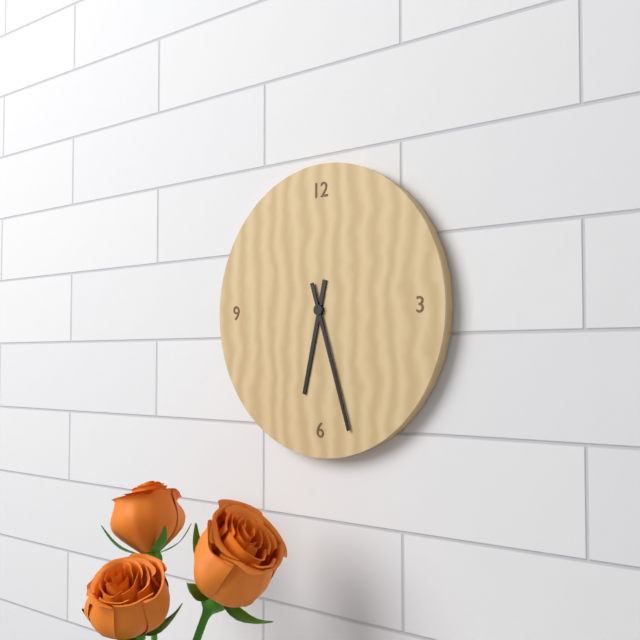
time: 6:27
